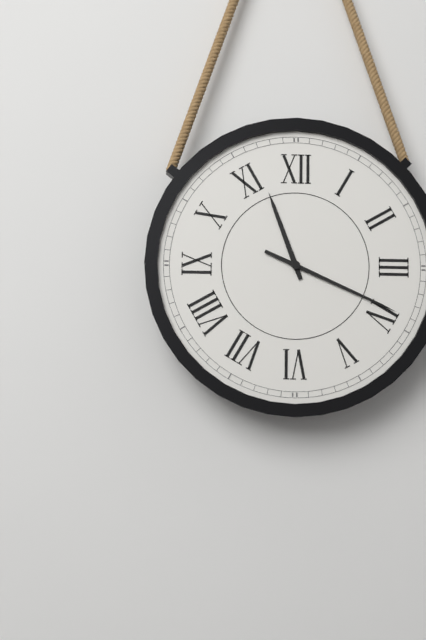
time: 11:19
